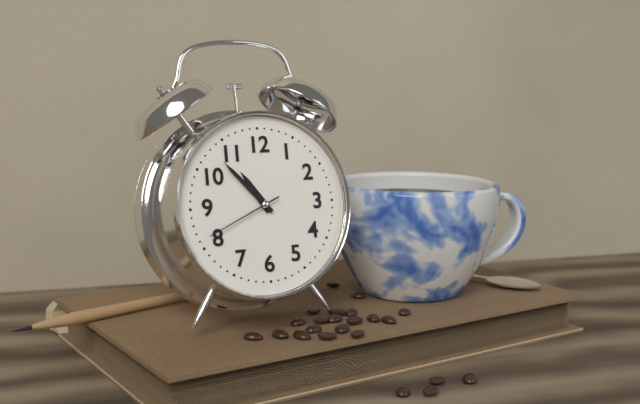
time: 10:53:41
